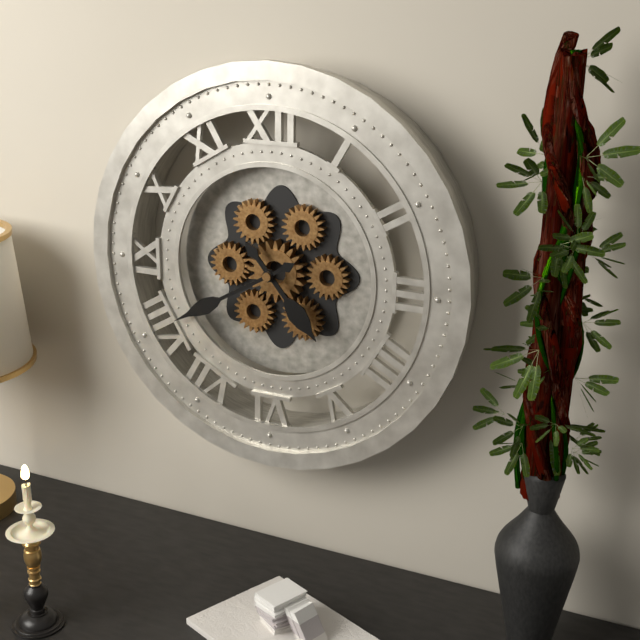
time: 4:40
